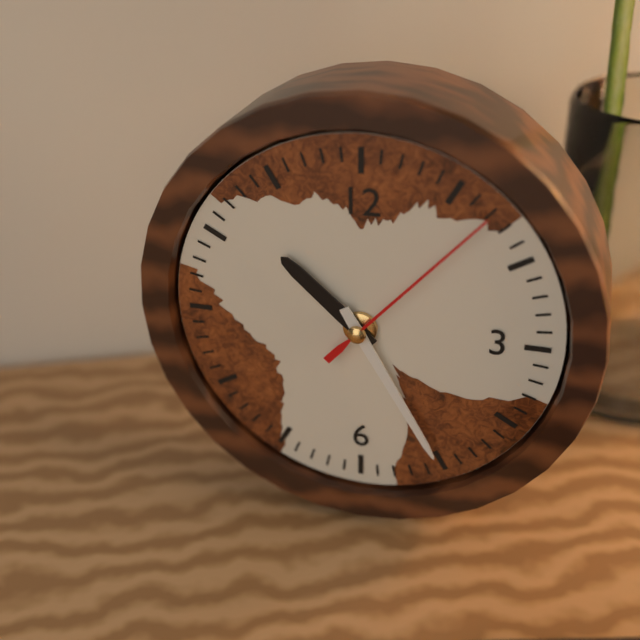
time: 10:25:07
